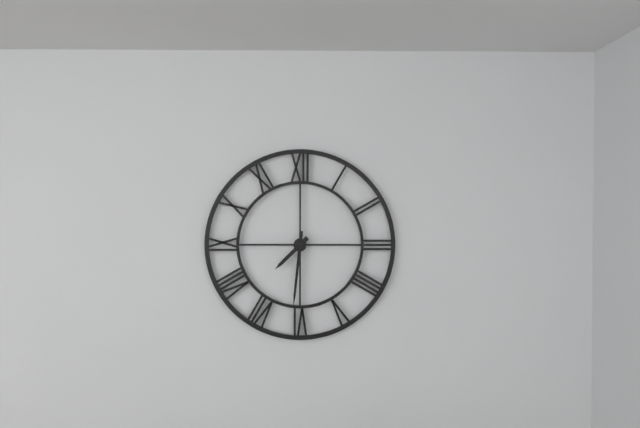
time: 7:31
